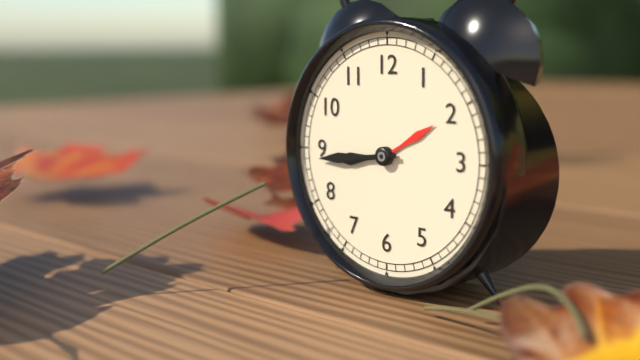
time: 8:44
